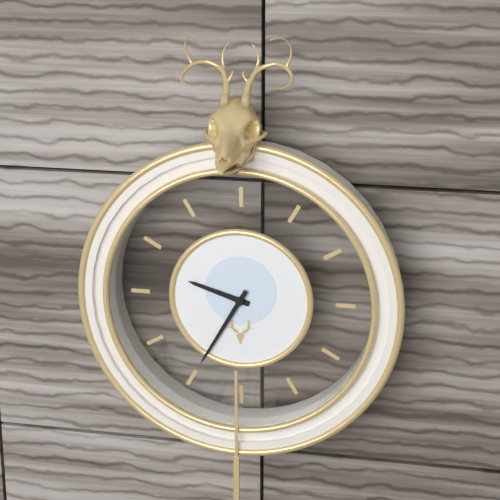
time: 9:35
